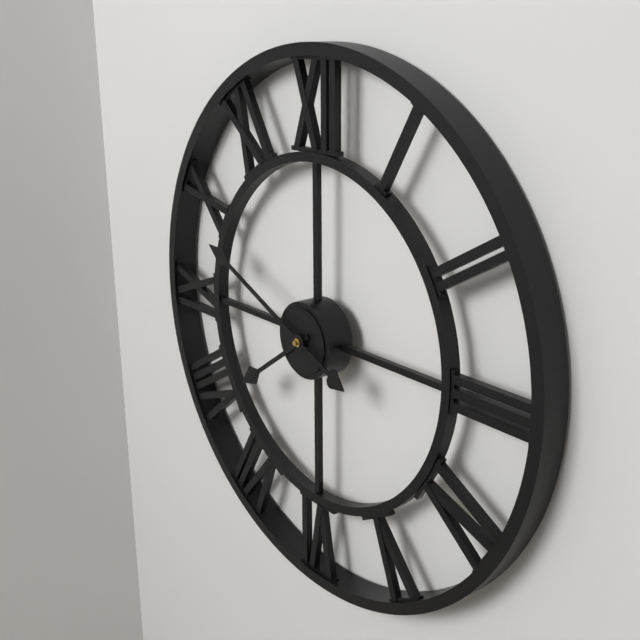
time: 7:49
